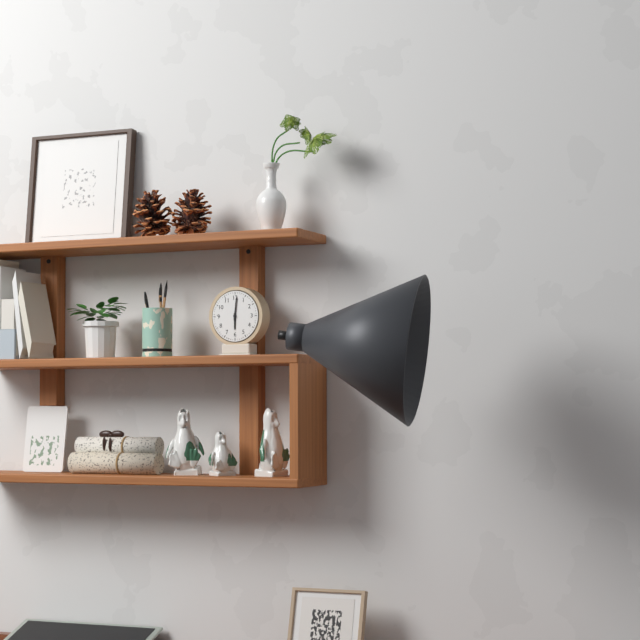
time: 6:01
